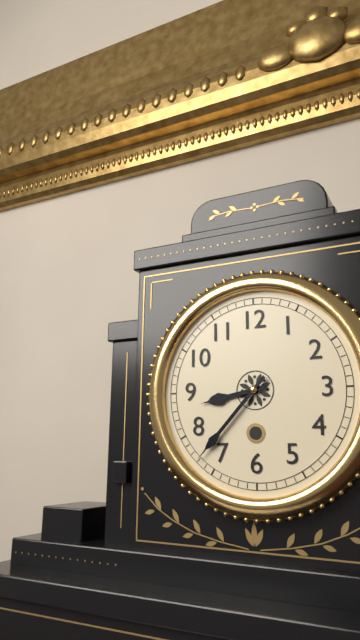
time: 8:37
